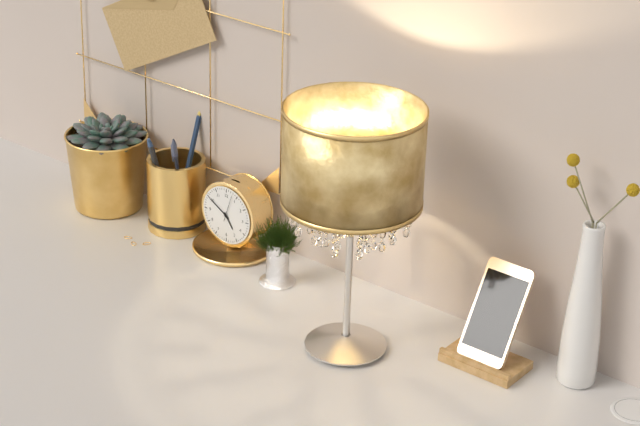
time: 4:50
